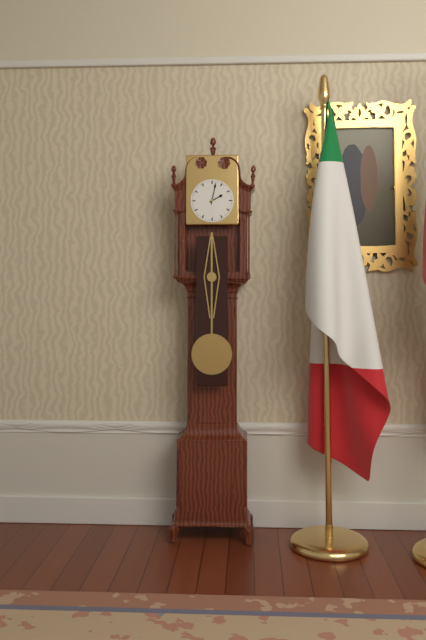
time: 2:02
